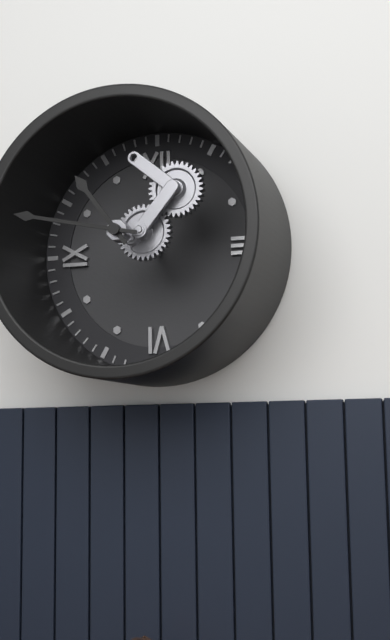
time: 10:47
